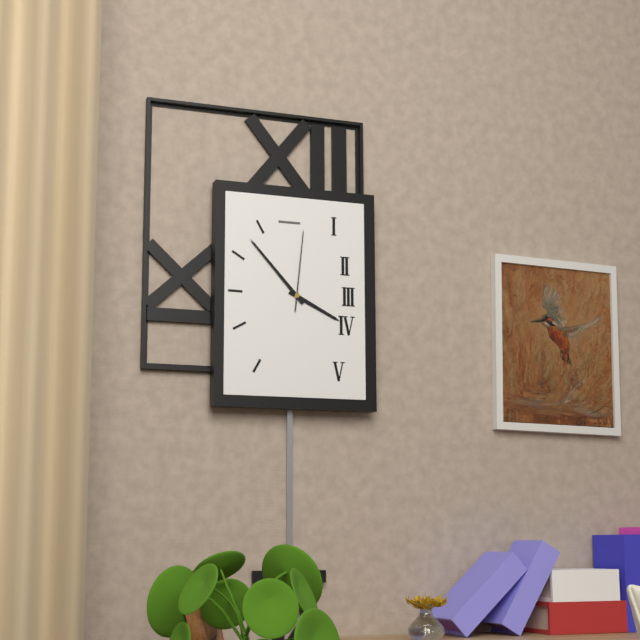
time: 3:53:01
